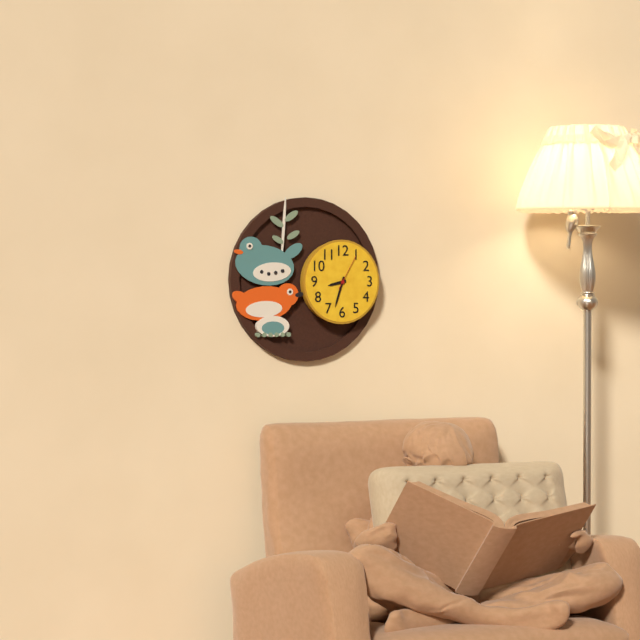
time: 8:33
